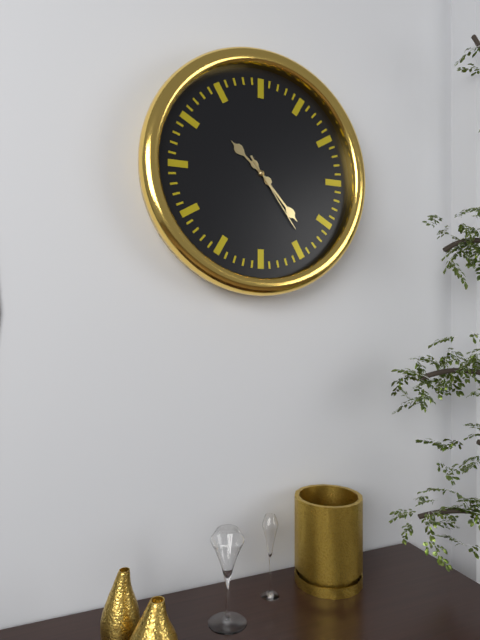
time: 10:23:24
